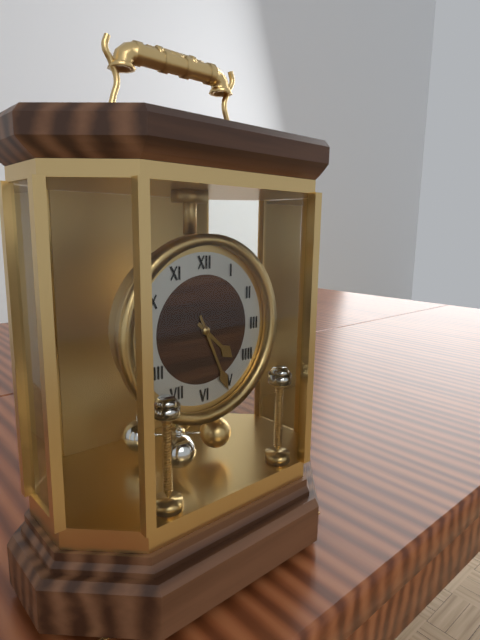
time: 4:26
